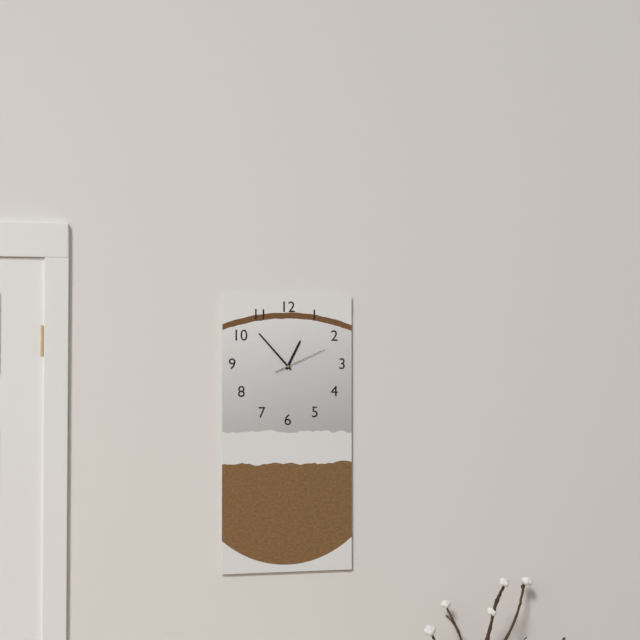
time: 12:53:11
